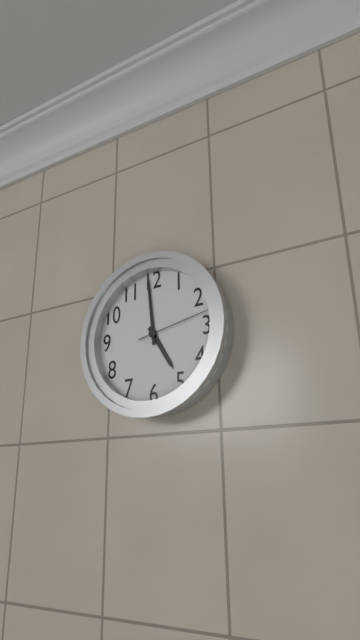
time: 4:59:13
